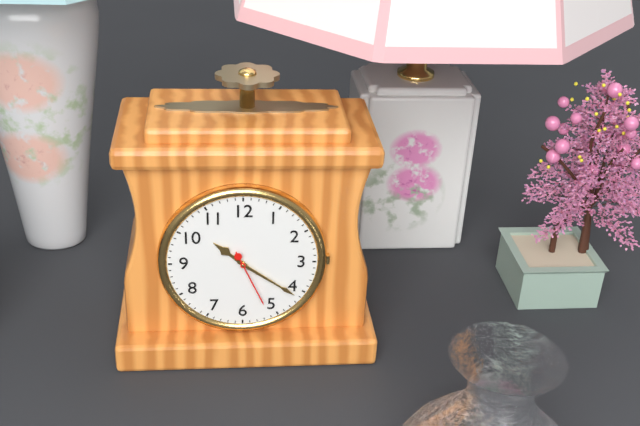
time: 10:21:26
